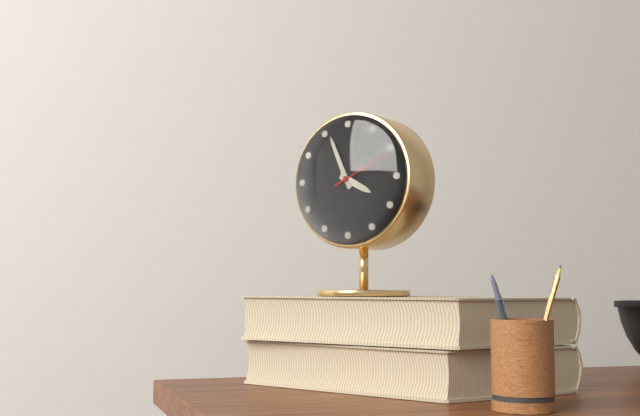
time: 3:56:11
